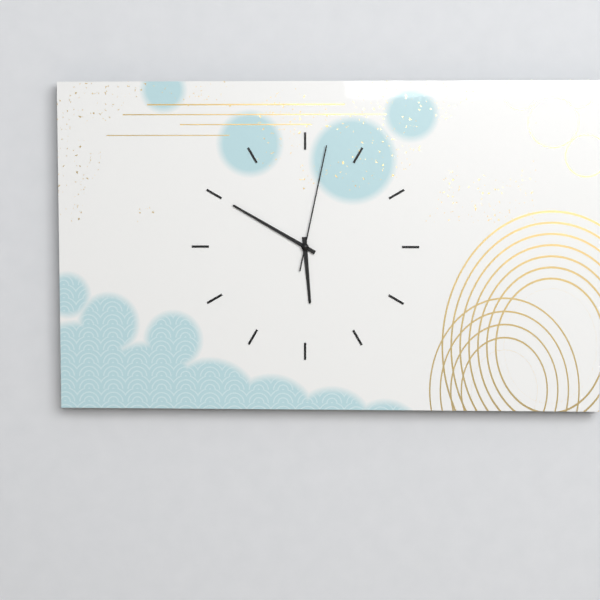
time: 5:50:02
